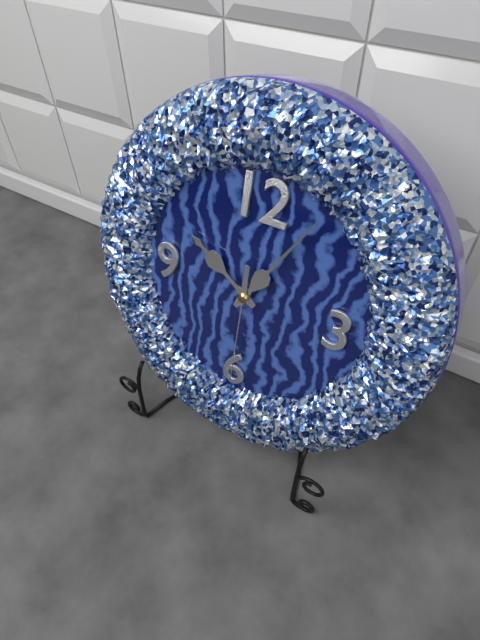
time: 10:05:30
